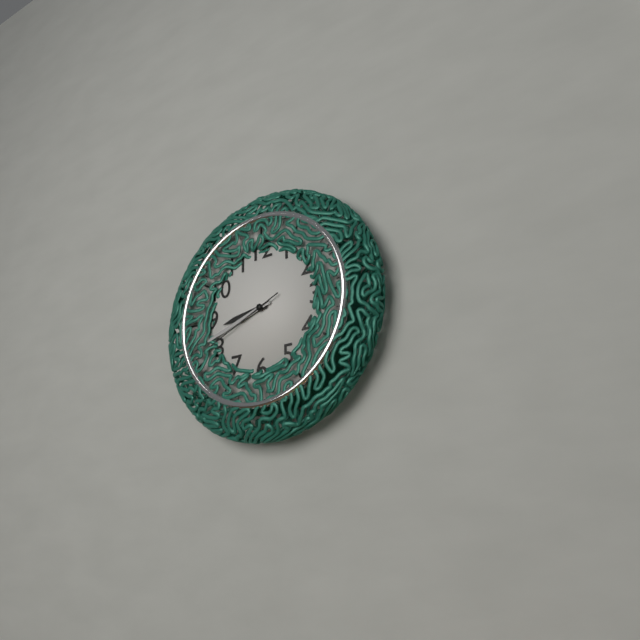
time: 8:42:41
